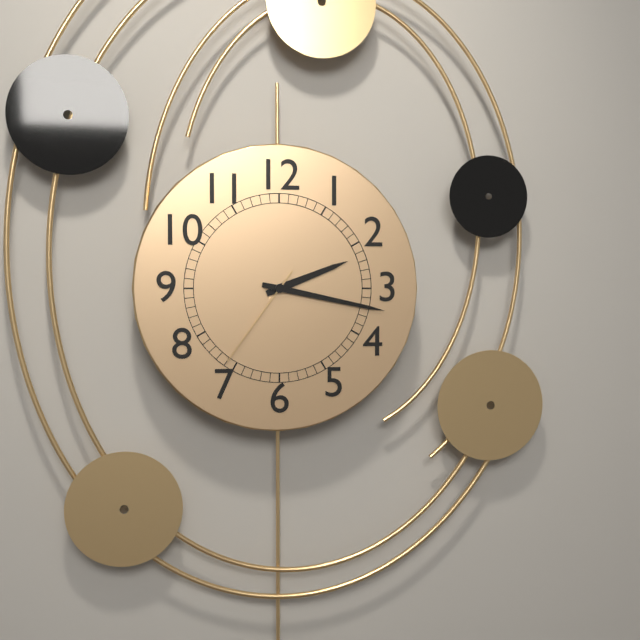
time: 2:17:36
